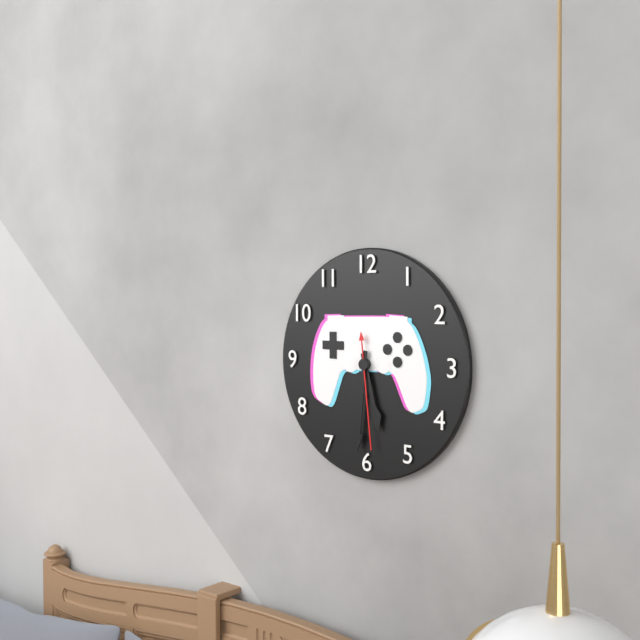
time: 5:31:29
